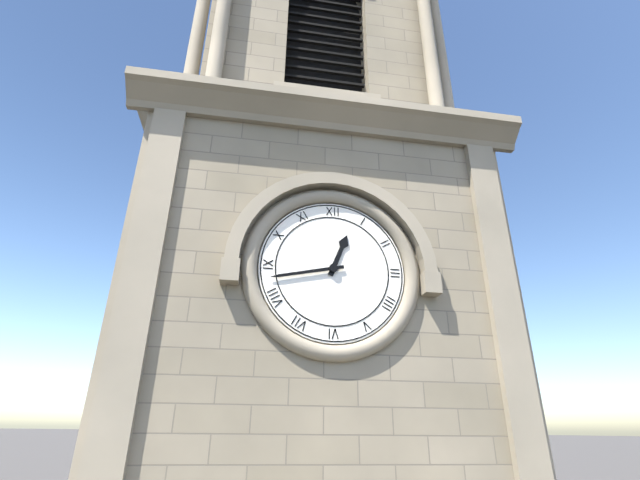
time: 12:43
